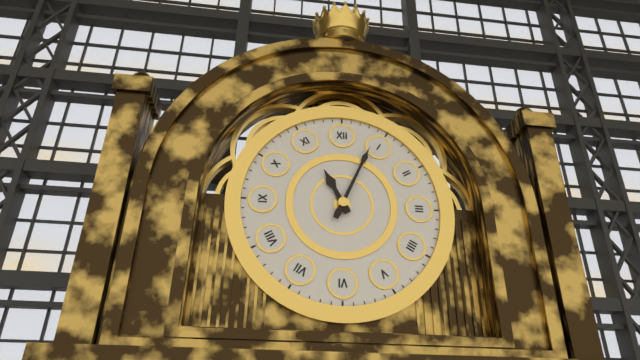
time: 11:04
